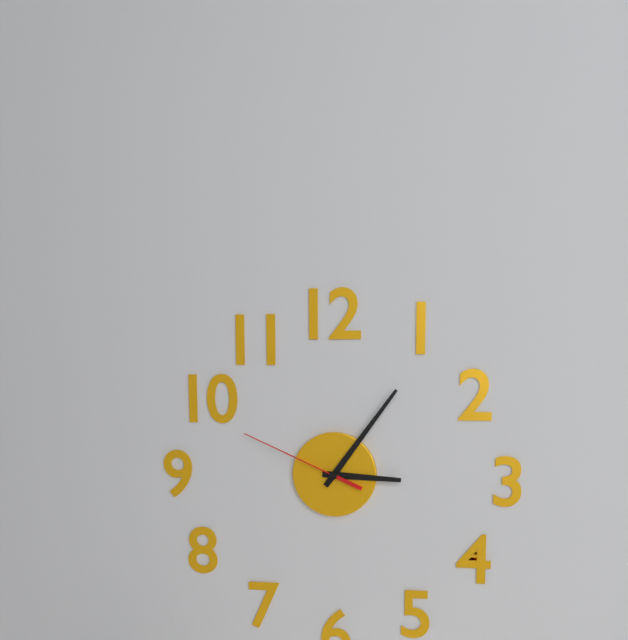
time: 3:06:49
